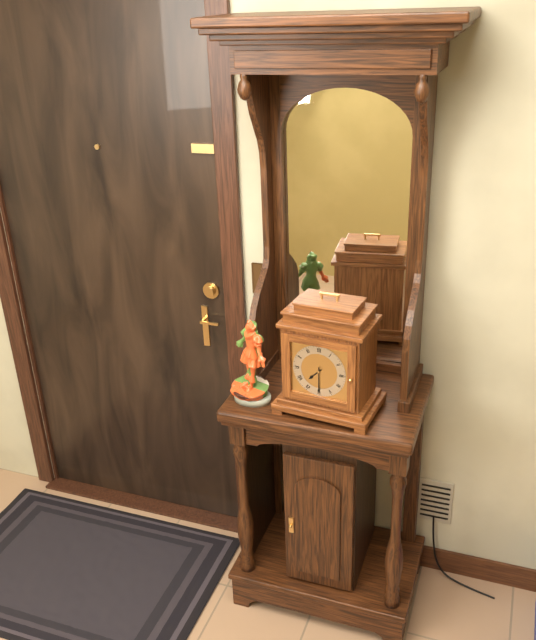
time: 7:30
